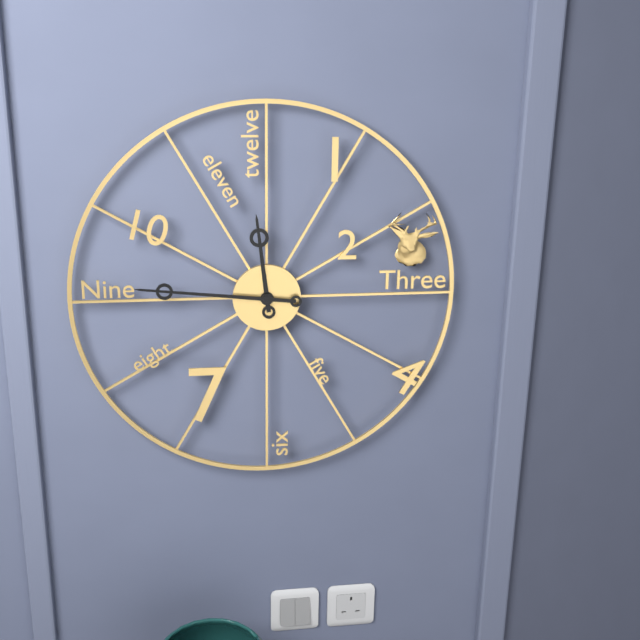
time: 11:46
